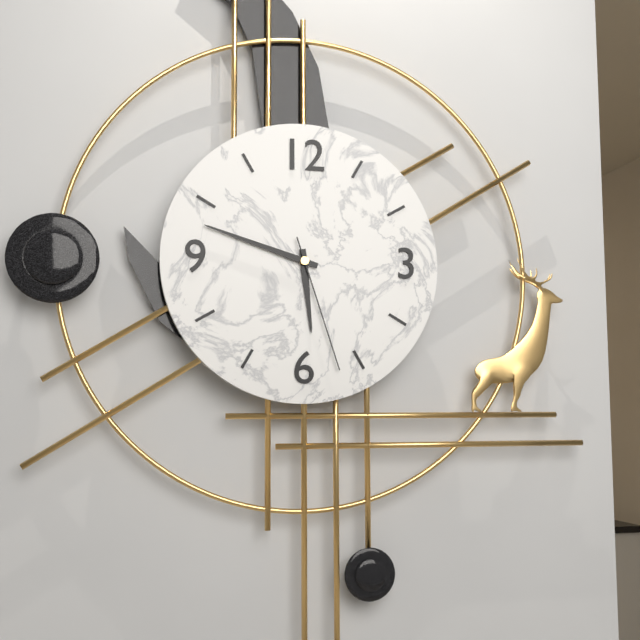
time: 5:48:27
